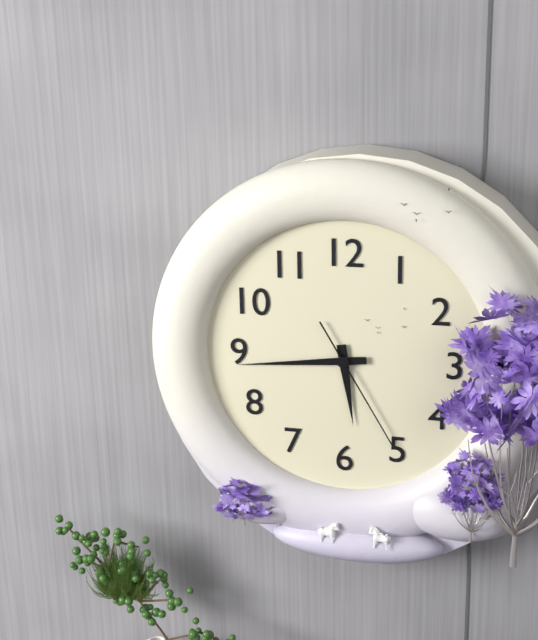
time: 5:44:25
